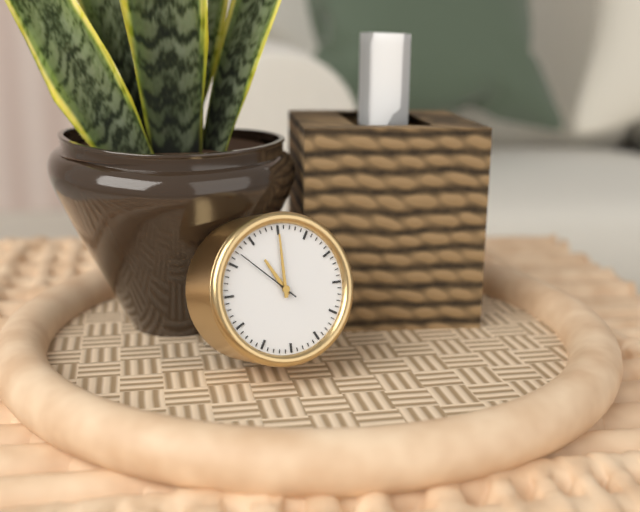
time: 11:00:52
